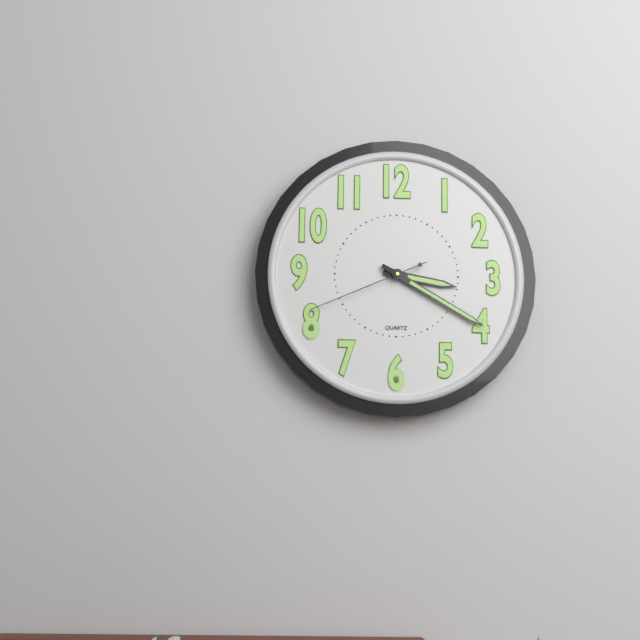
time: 3:20:41
